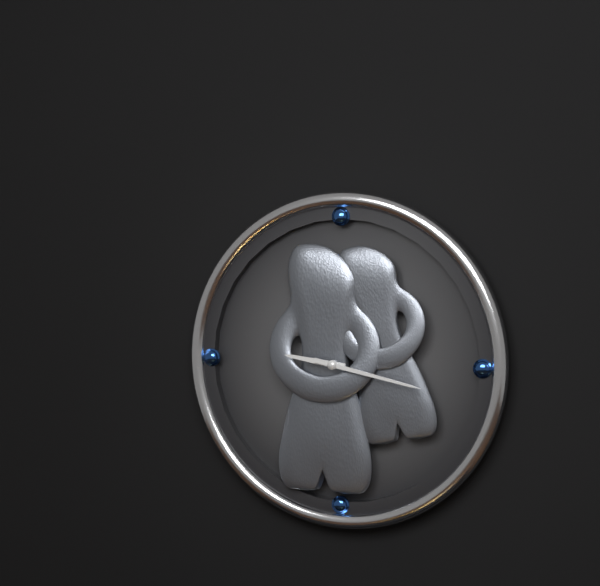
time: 9:17
